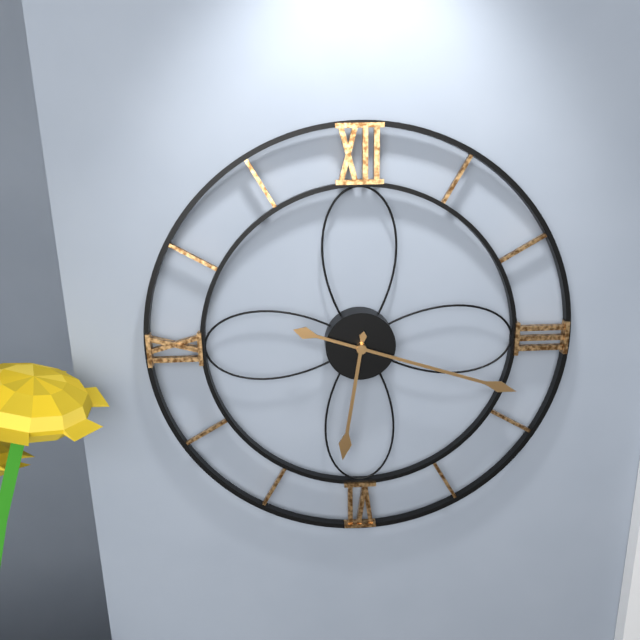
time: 6:18
